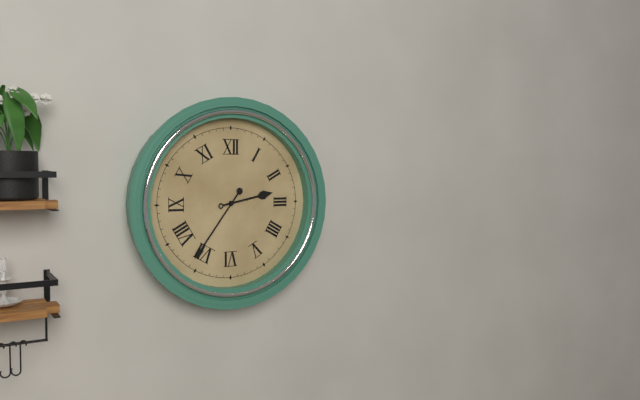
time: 2:36
